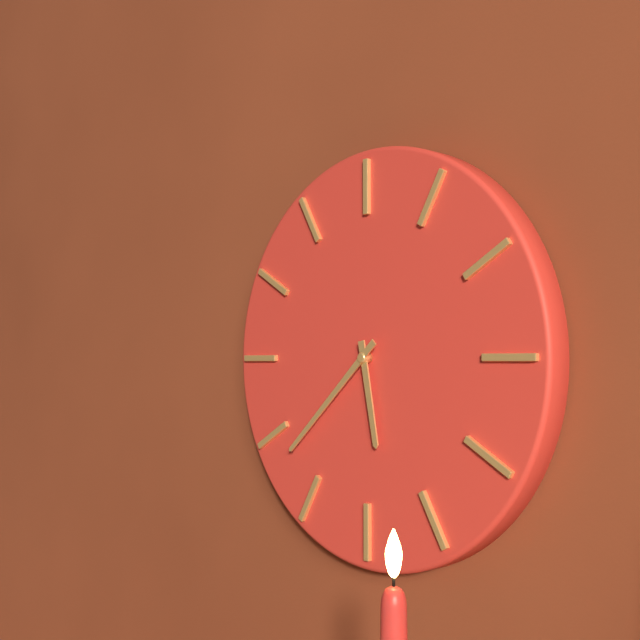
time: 5:38
